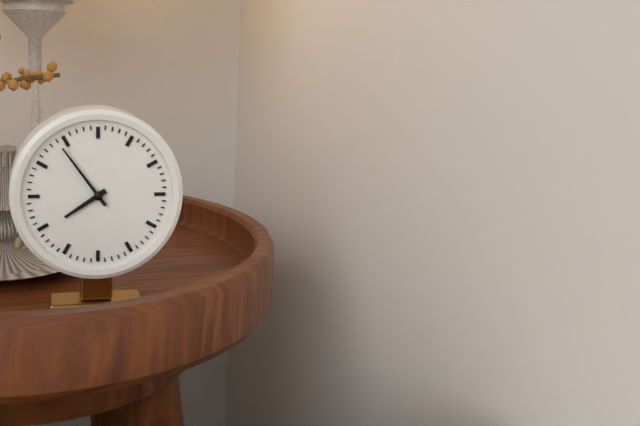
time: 7:54
